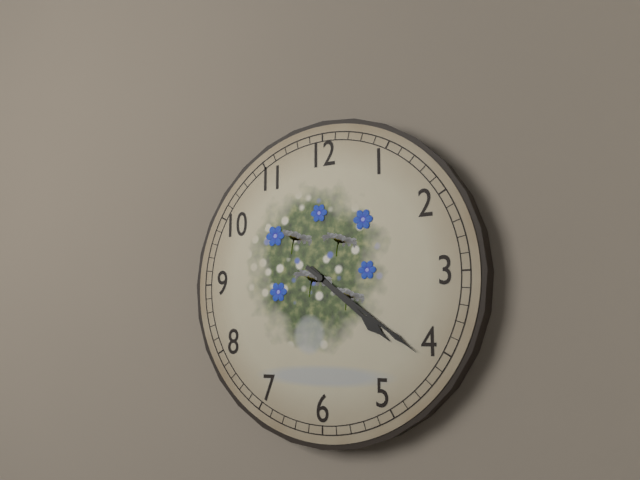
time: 4:21
